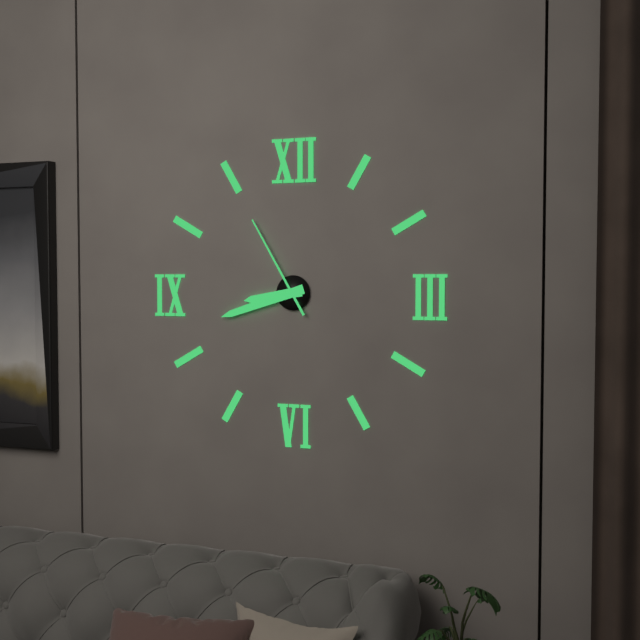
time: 8:42:55
